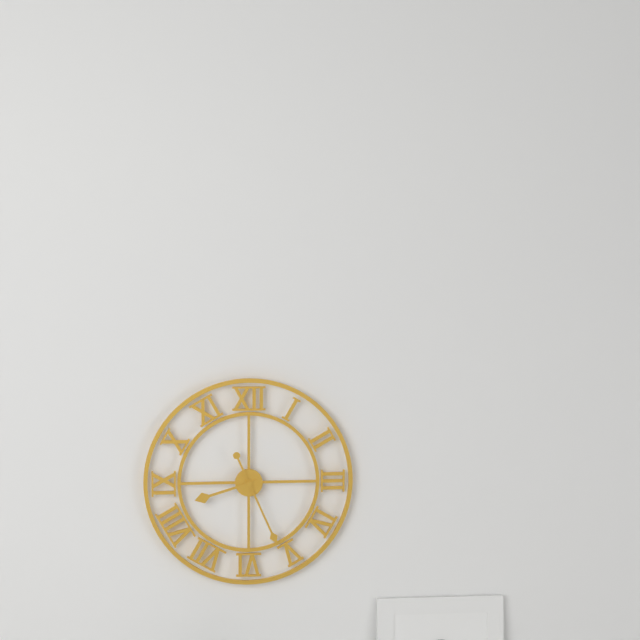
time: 8:26
